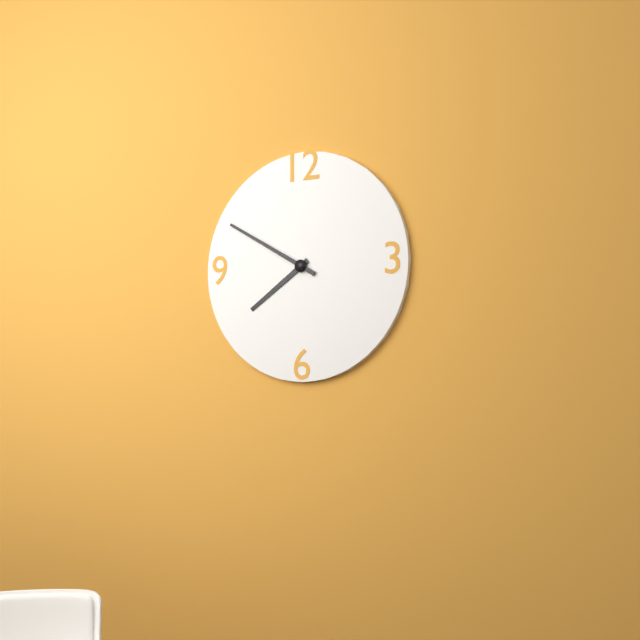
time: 7:50
